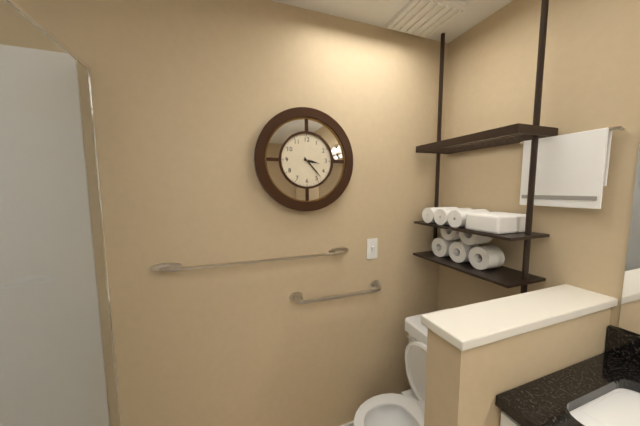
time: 3:23
